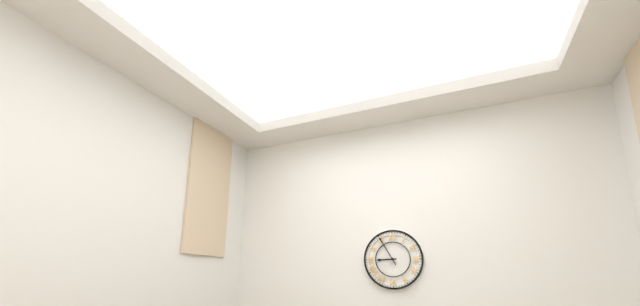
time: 8:55
